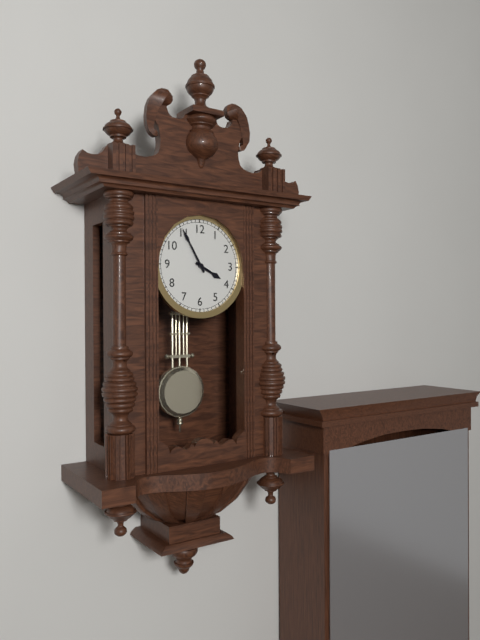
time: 3:55
